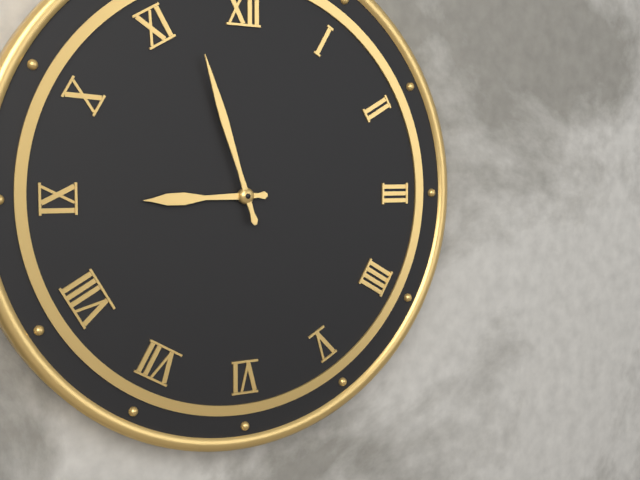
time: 8:57
